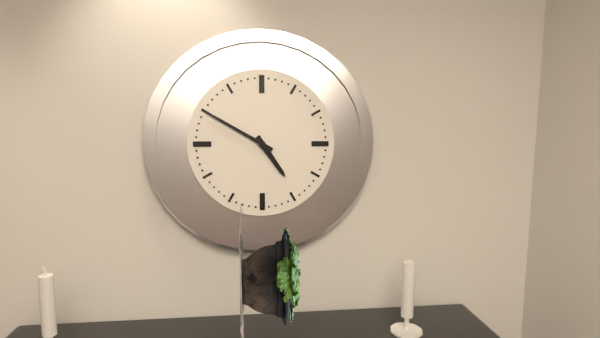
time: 4:50
